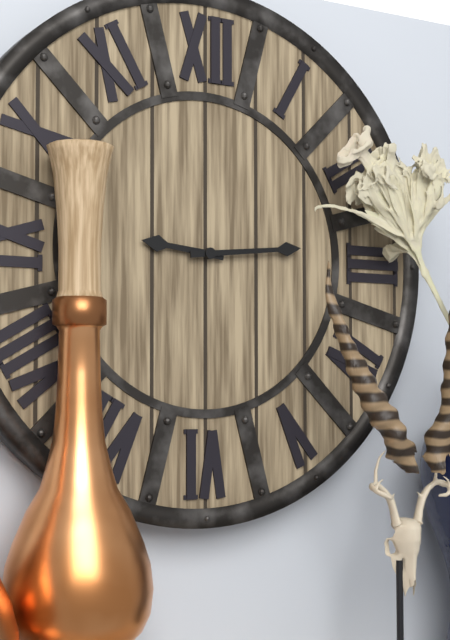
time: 9:14
